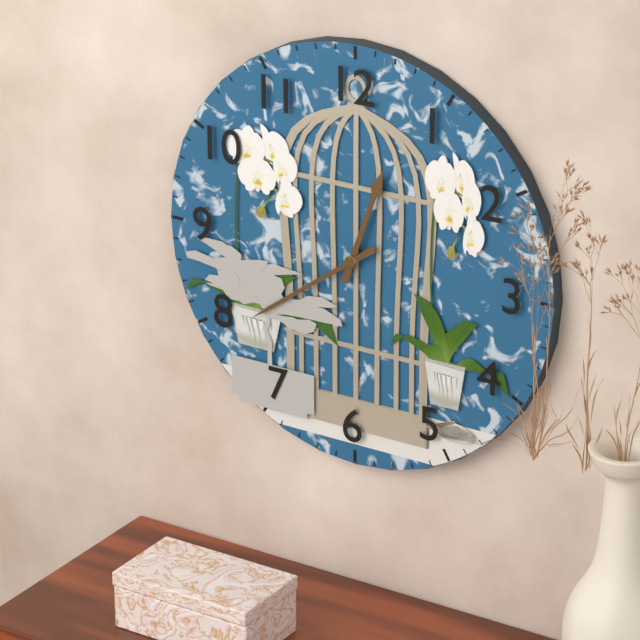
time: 12:39
